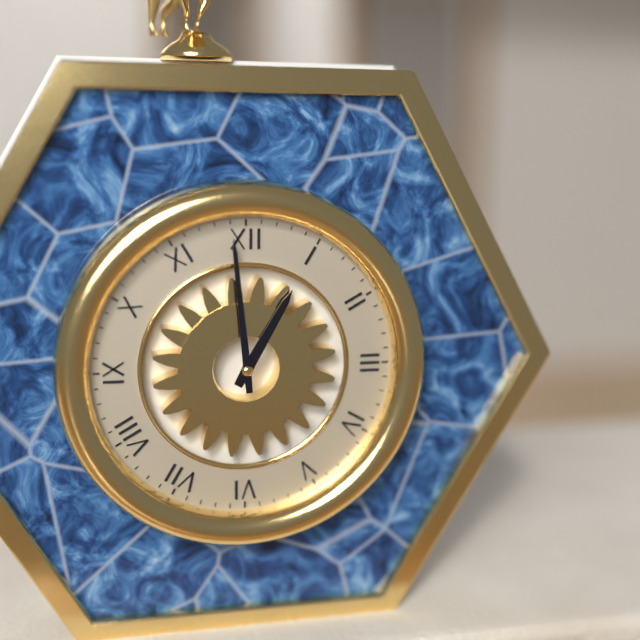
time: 12:59
